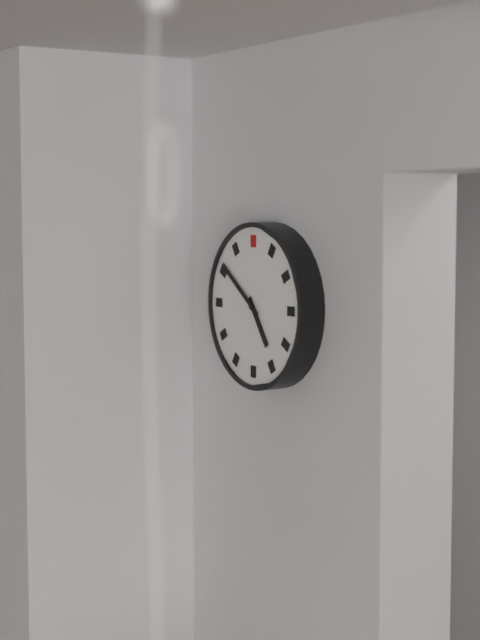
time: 4:51
